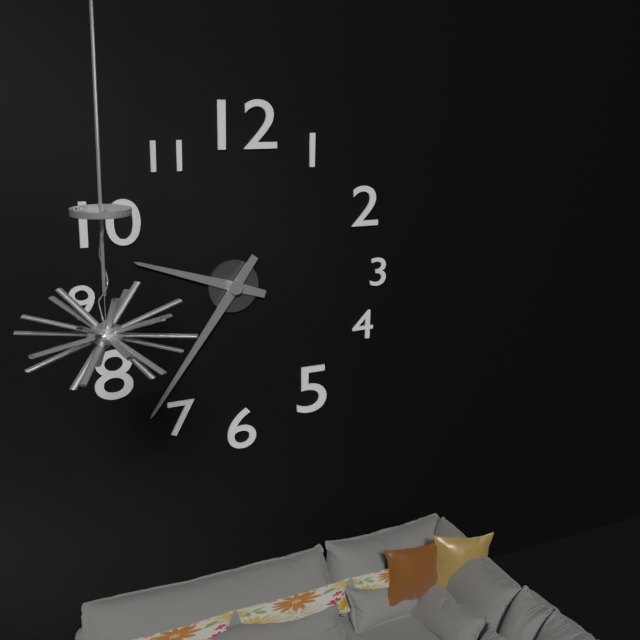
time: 9:36
